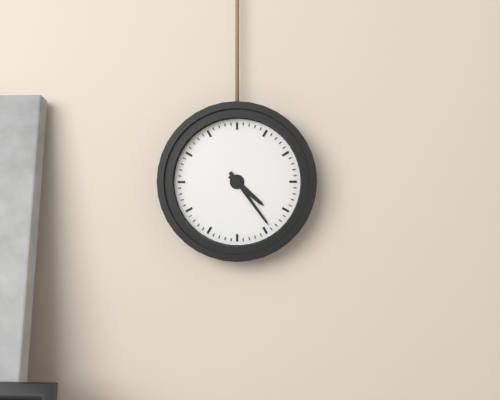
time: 4:24
